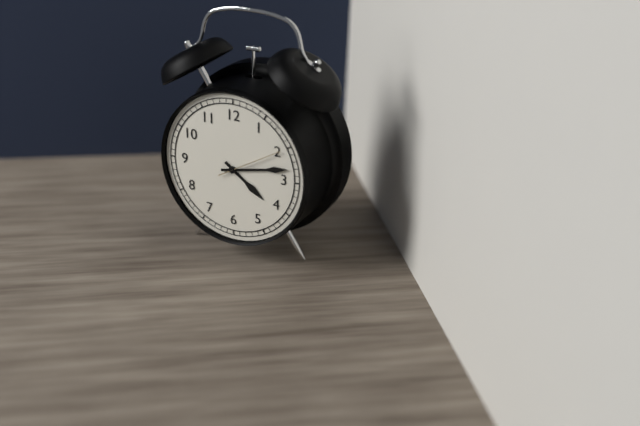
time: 4:13:10
